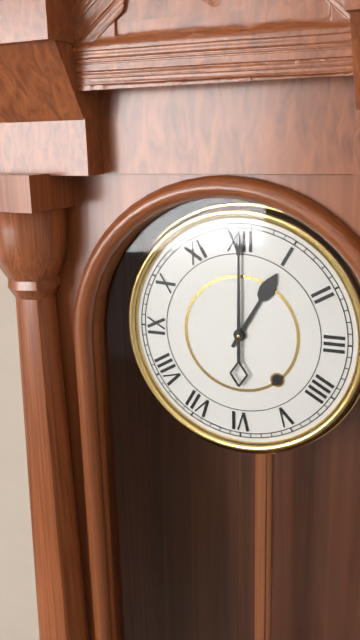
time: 1:00
